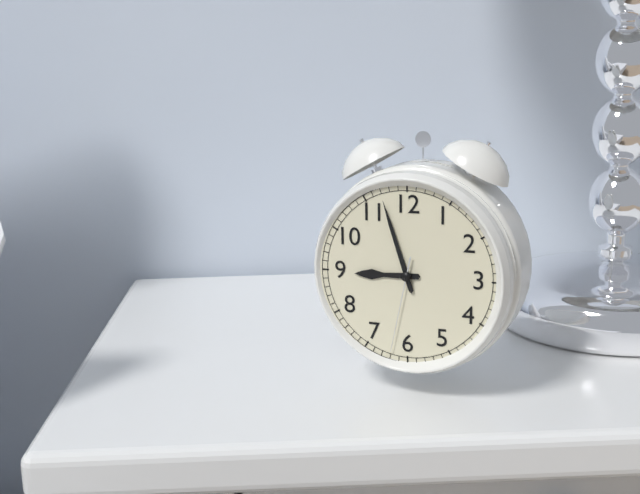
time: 8:57:32
